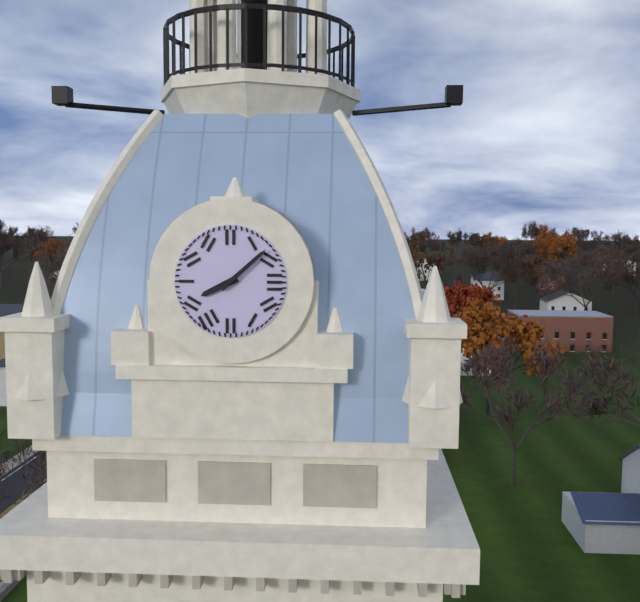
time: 8:08
